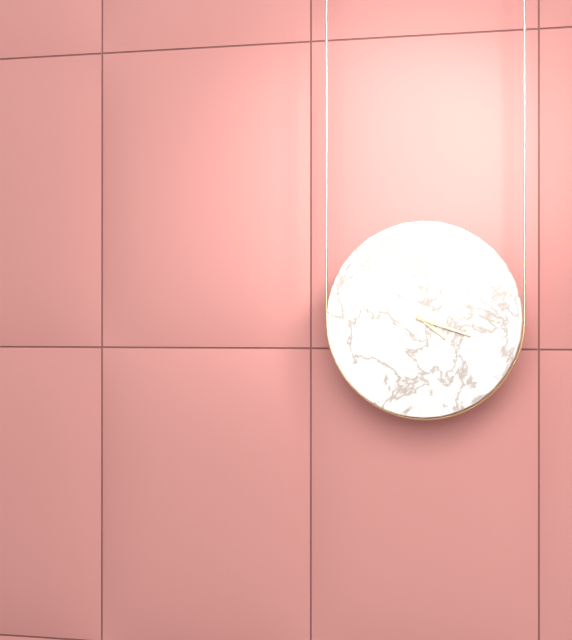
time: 4:18
